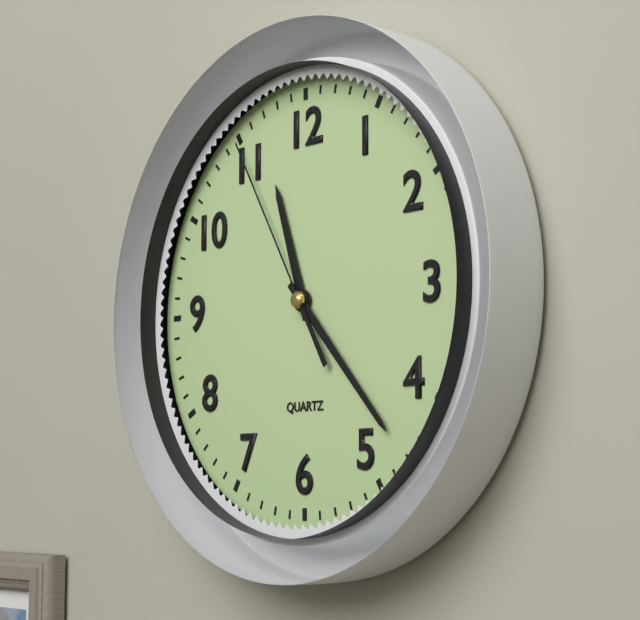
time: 11:23:55
